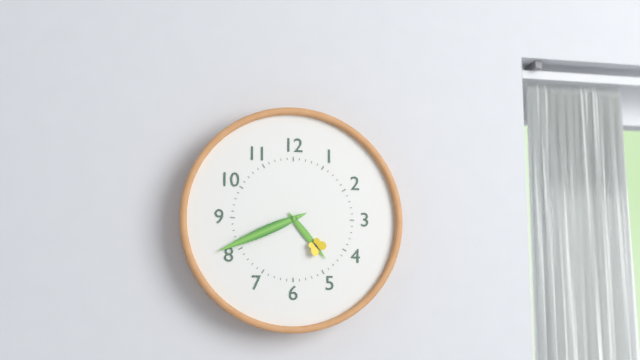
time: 4:41
